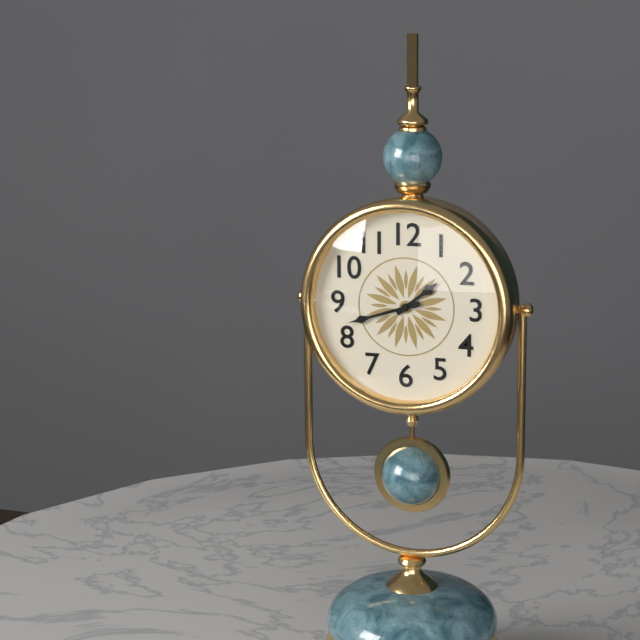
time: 1:42
